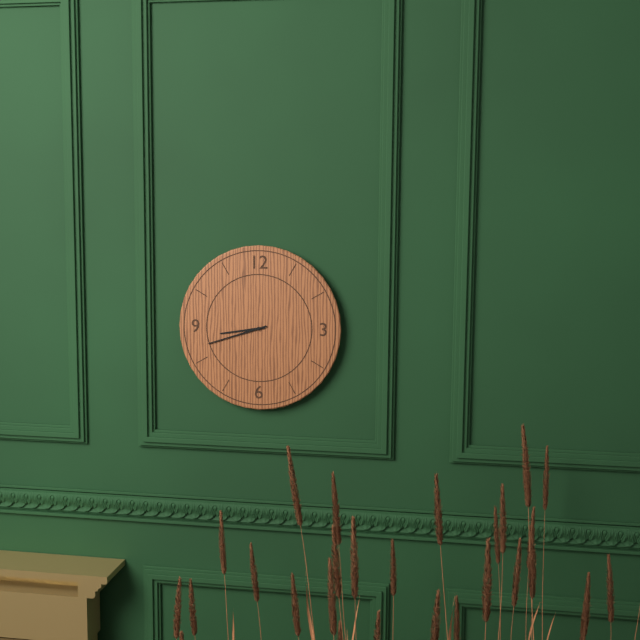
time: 8:42
